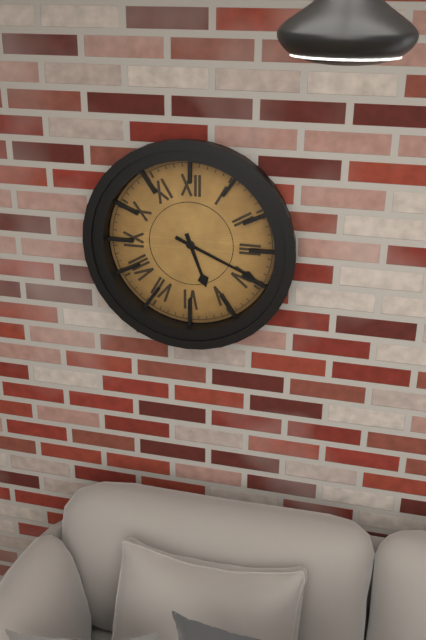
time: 5:19
